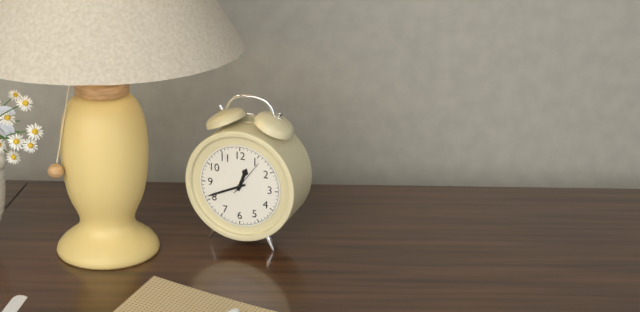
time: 12:41
